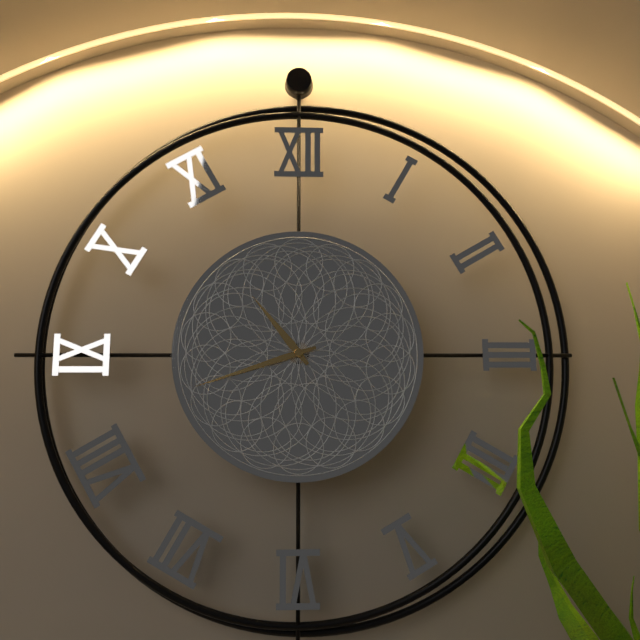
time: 10:42
